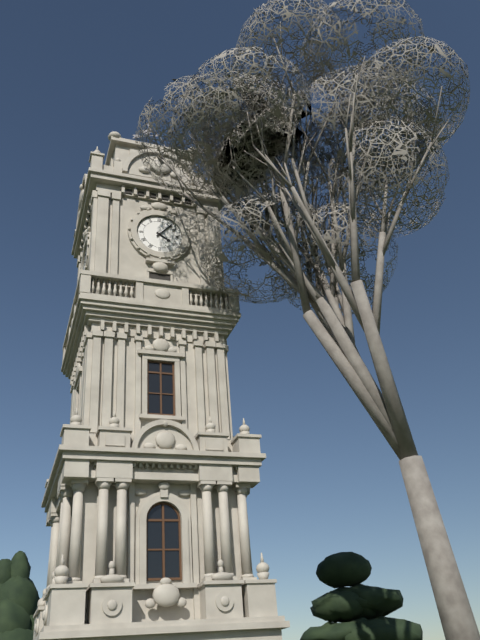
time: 4:07
